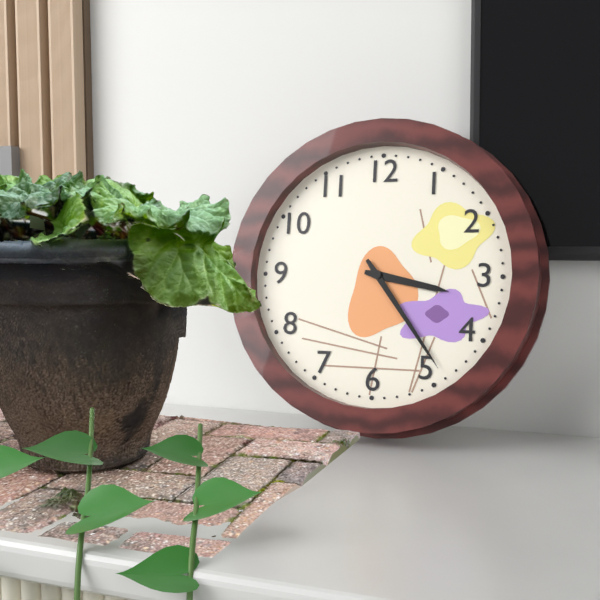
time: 3:24
